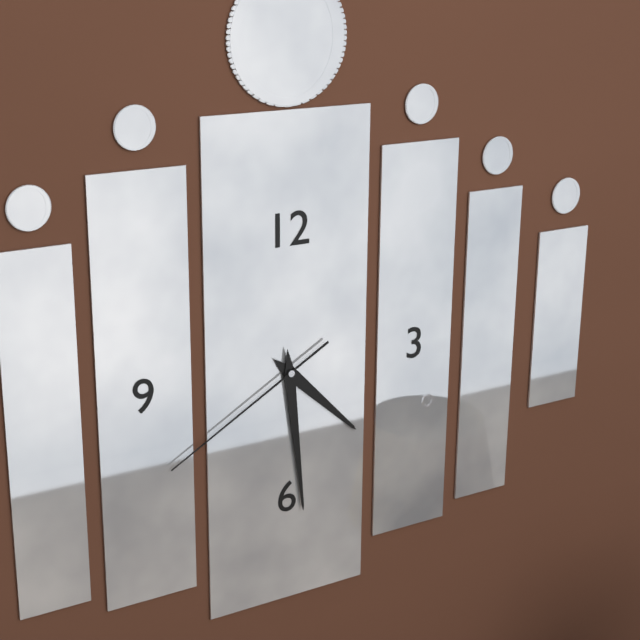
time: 4:29:40
